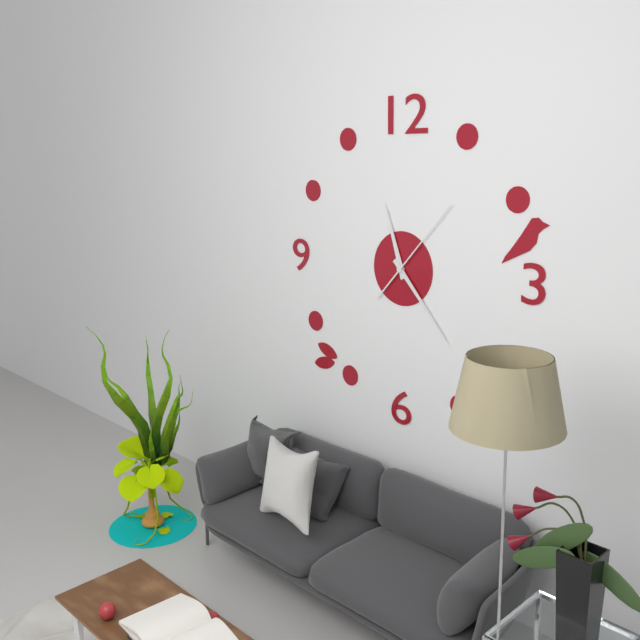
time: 11:23:07
